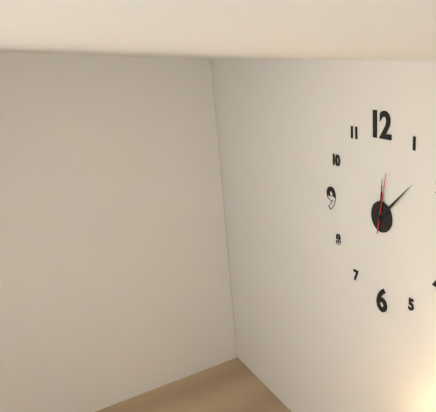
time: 12:08:02
